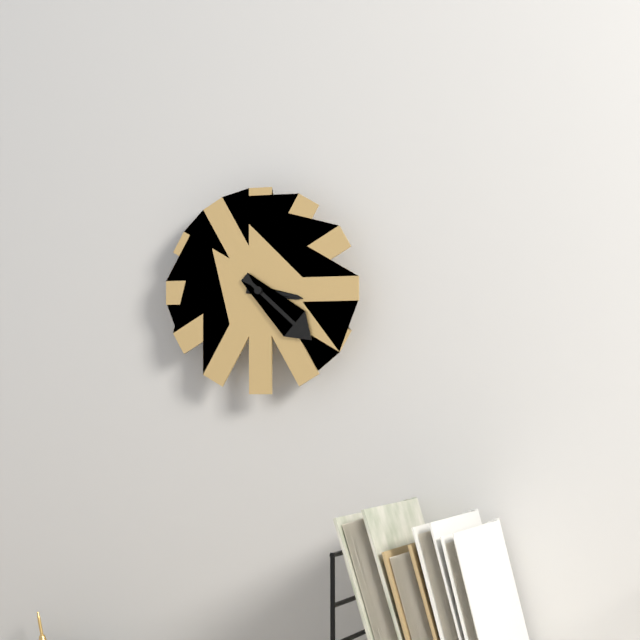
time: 3:22
